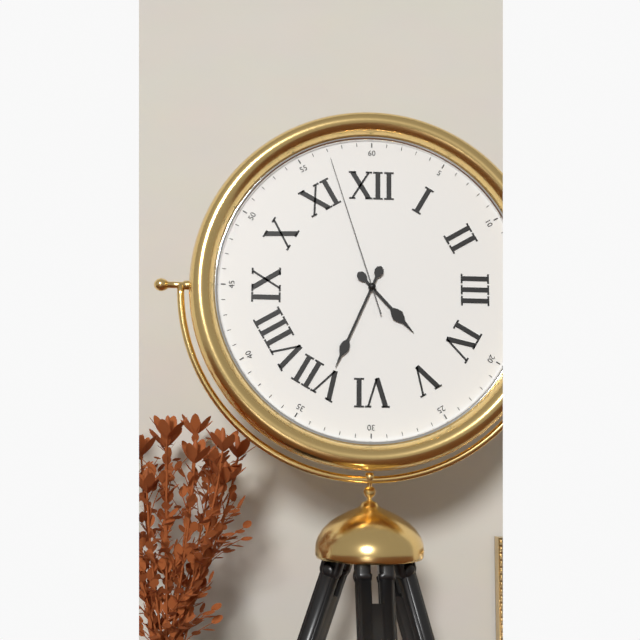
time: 4:34:57
